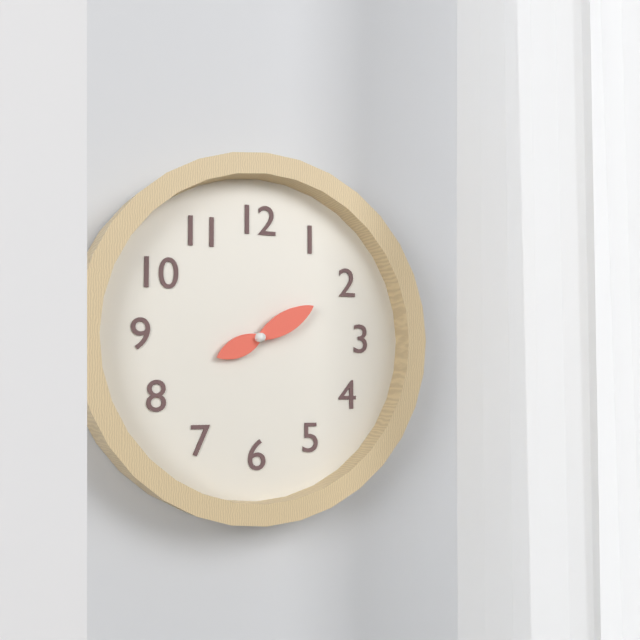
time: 8:10
